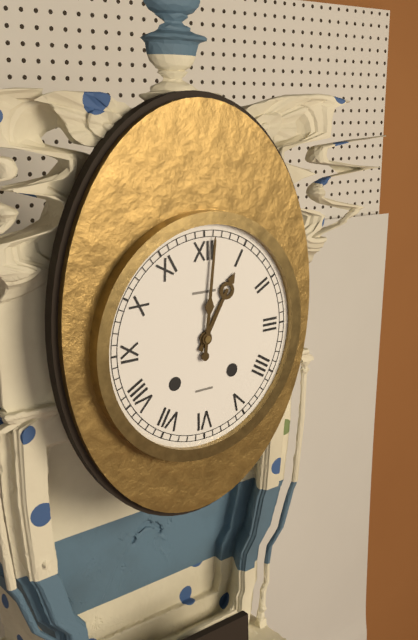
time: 1:01
